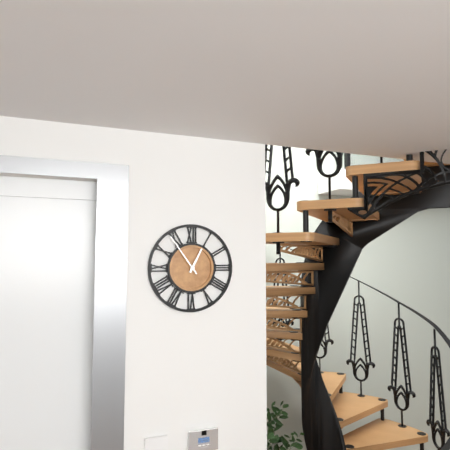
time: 12:54
